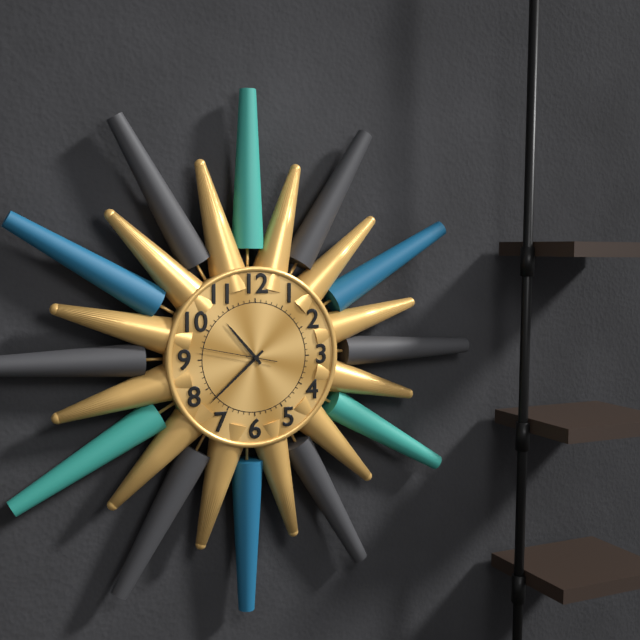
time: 10:38:47
